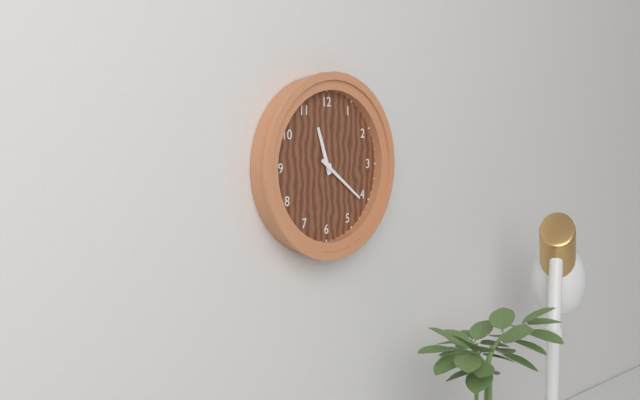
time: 11:21
